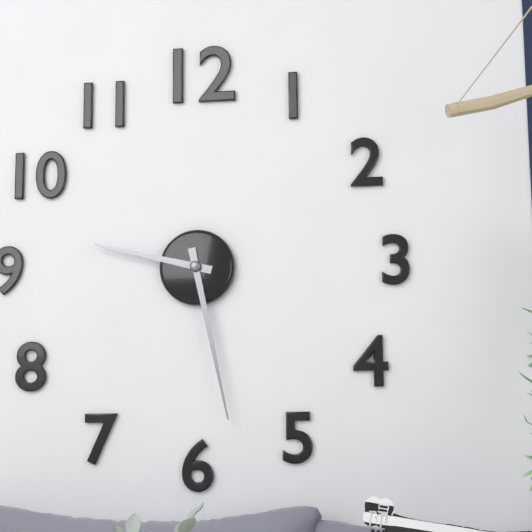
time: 9:28
